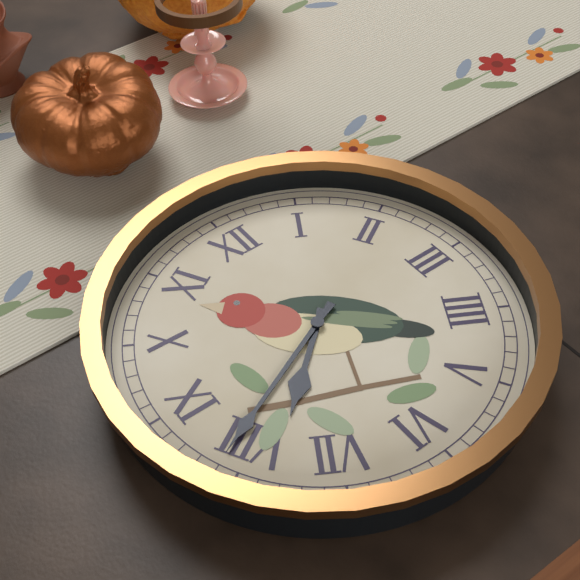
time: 7:41
